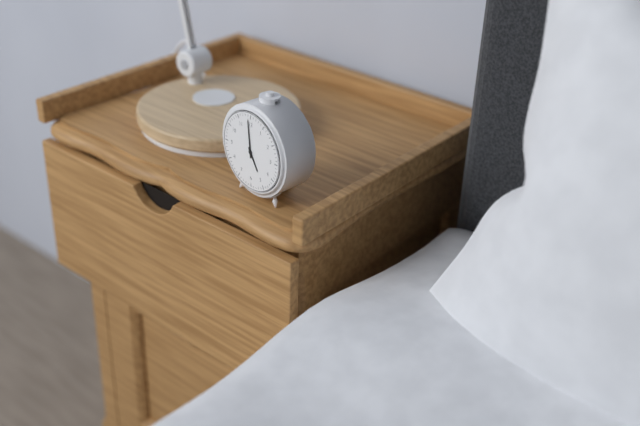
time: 4:59
